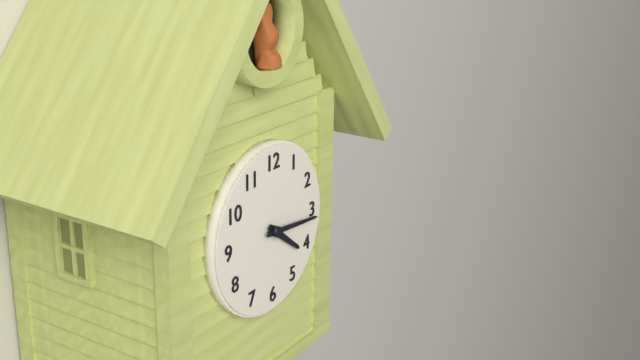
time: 4:16
